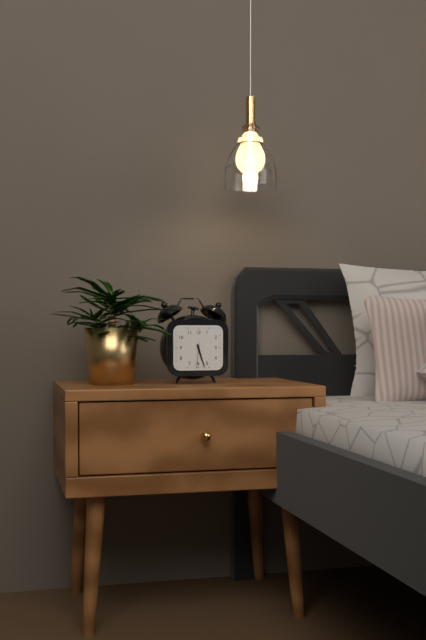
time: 5:27
